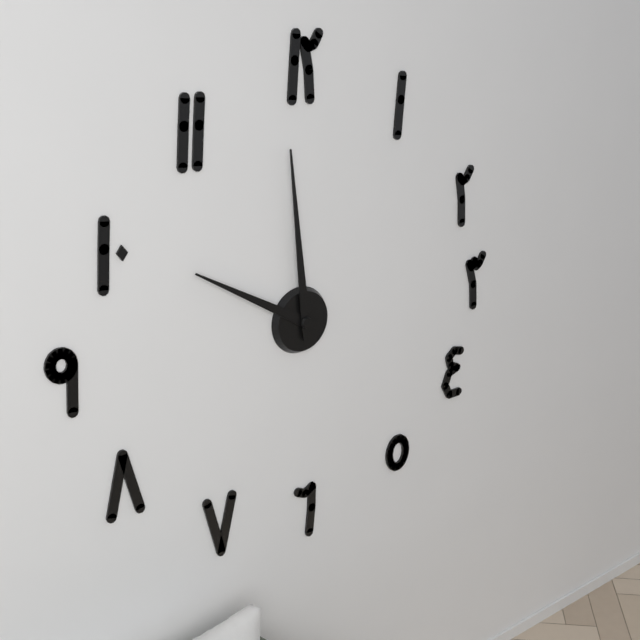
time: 9:59
